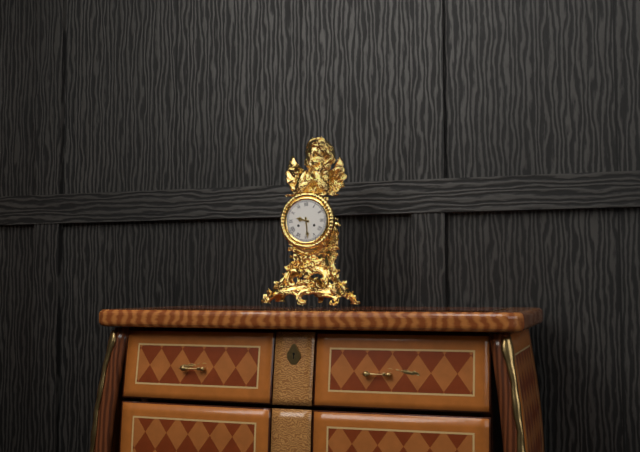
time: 9:29
